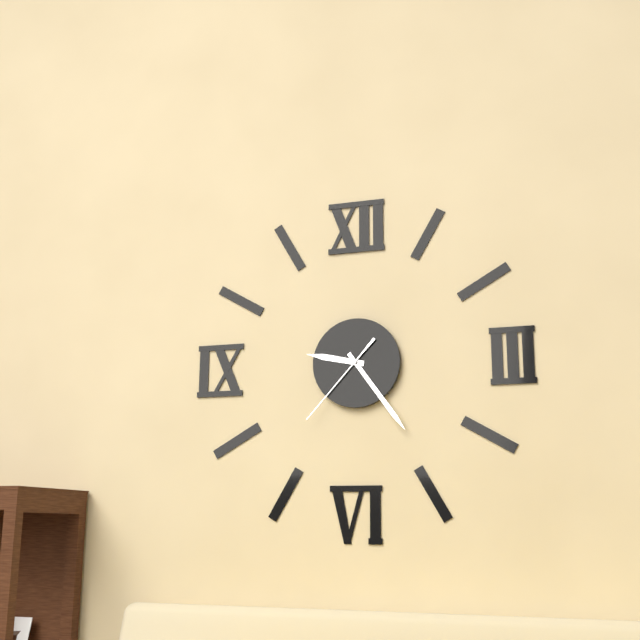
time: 9:24:37
